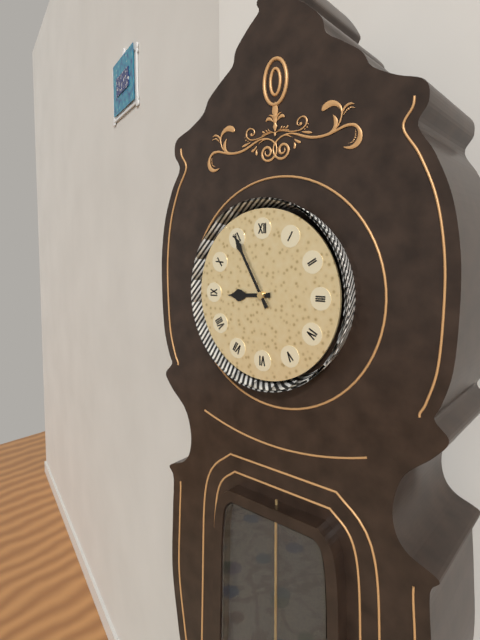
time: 8:55
